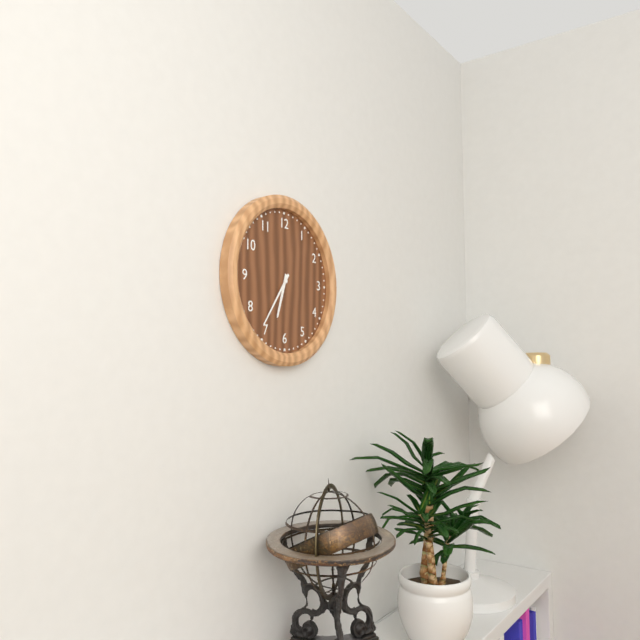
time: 6:36
